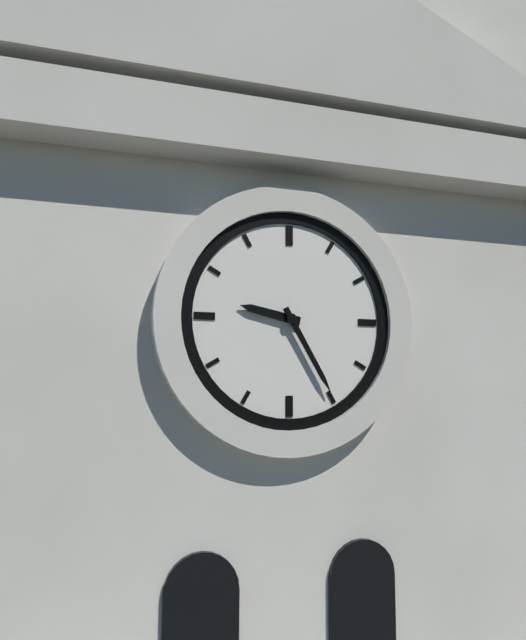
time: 9:25
